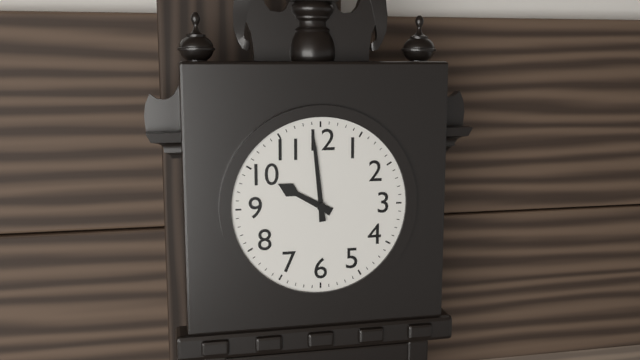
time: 9:59
